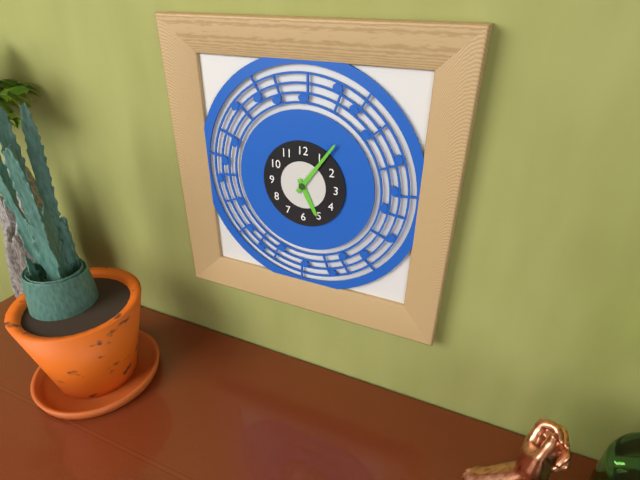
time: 5:06
